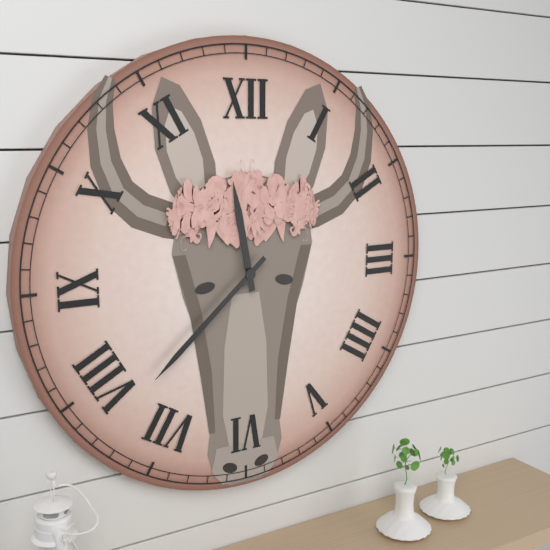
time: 11:38
